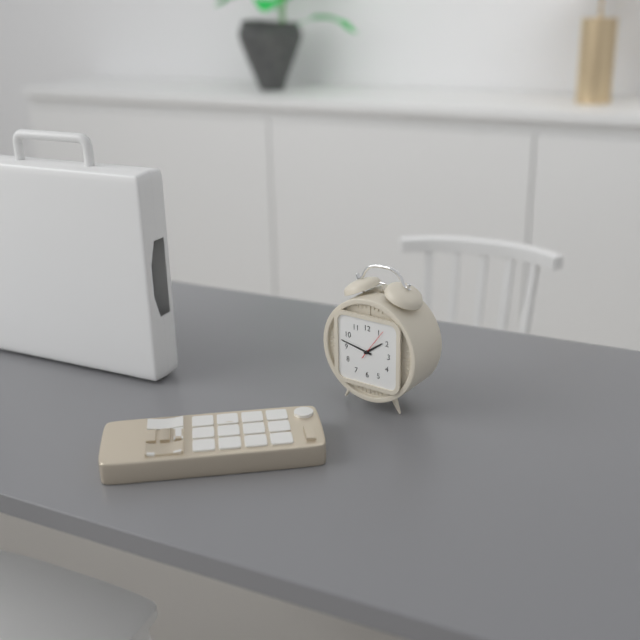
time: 1:47
